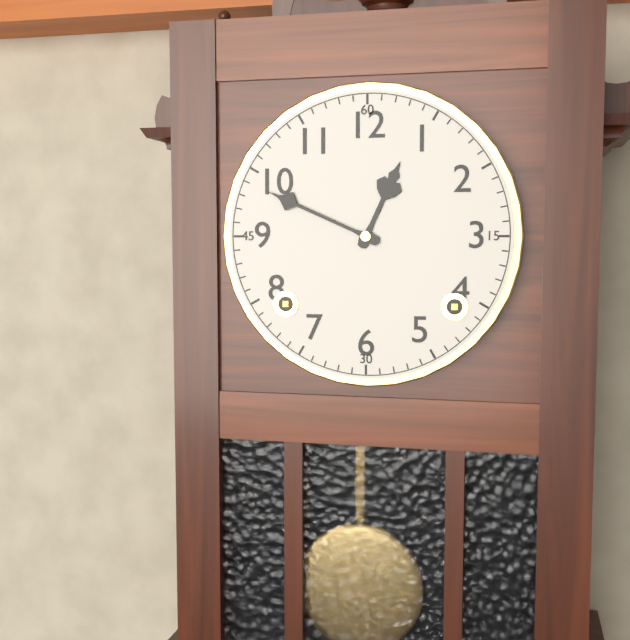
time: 12:49
